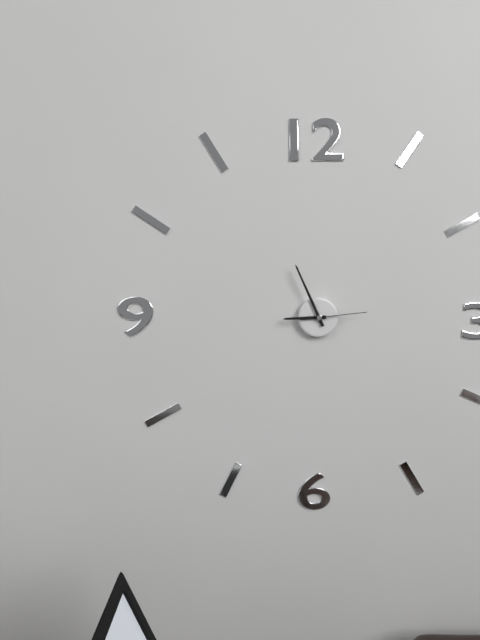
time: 8:56:14
